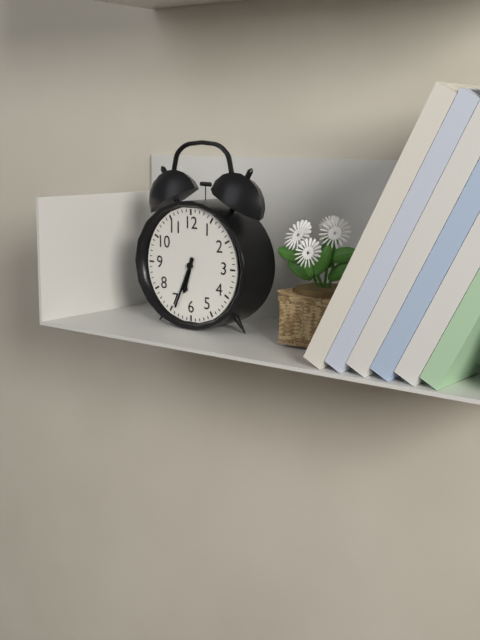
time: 6:34
